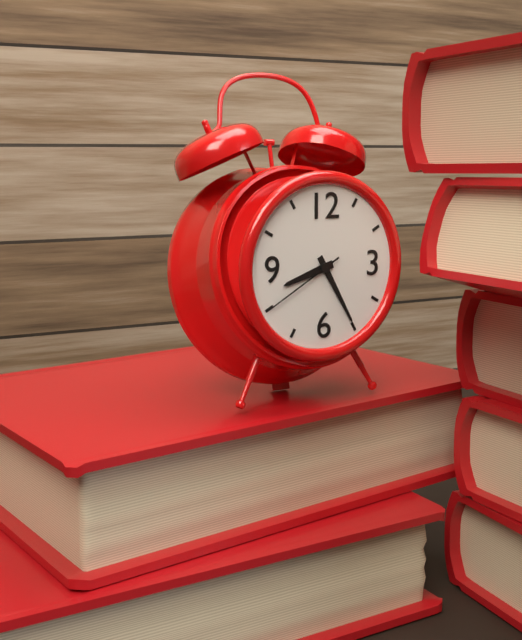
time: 8:25:40
